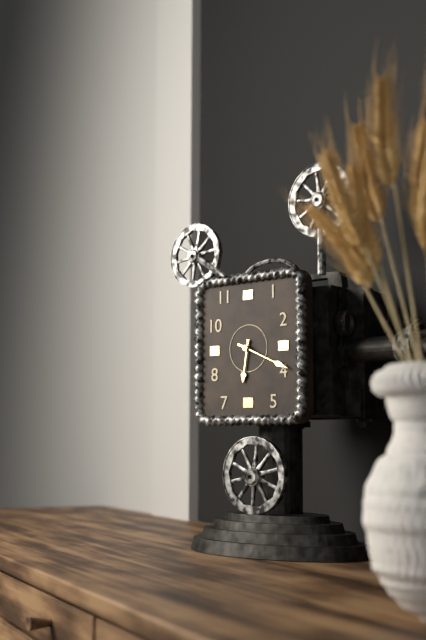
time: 6:19
